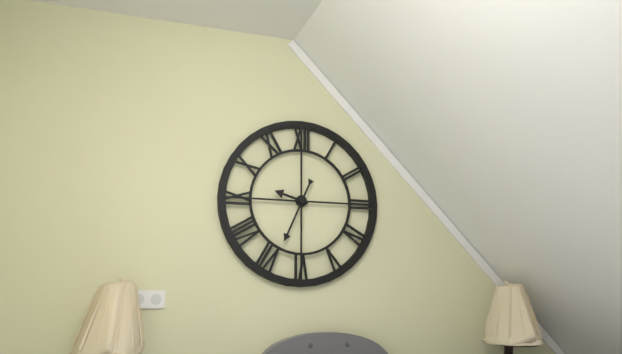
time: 9:34
